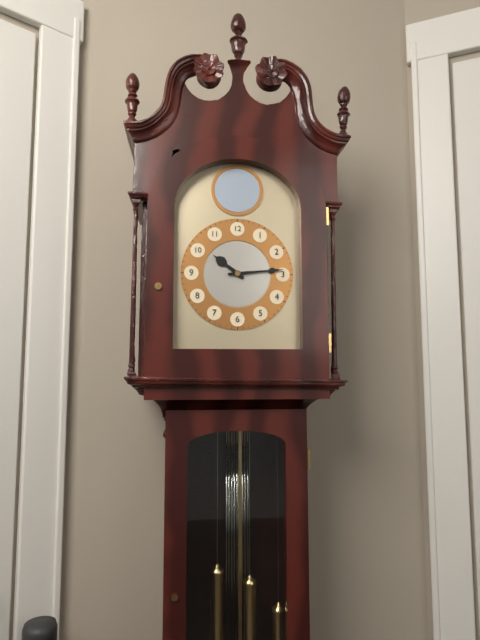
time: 10:14
